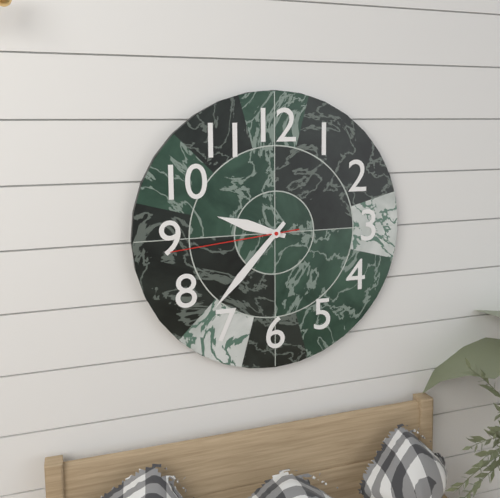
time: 9:37:44
